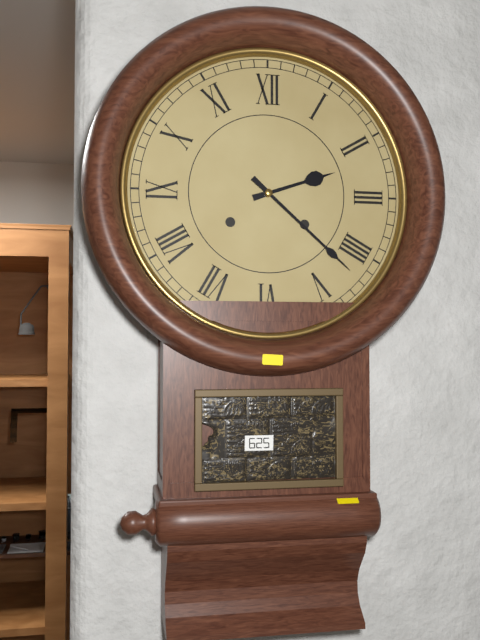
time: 2:22
